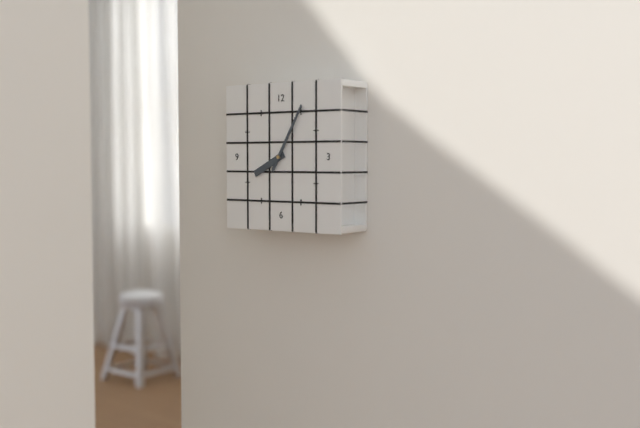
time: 8:05
